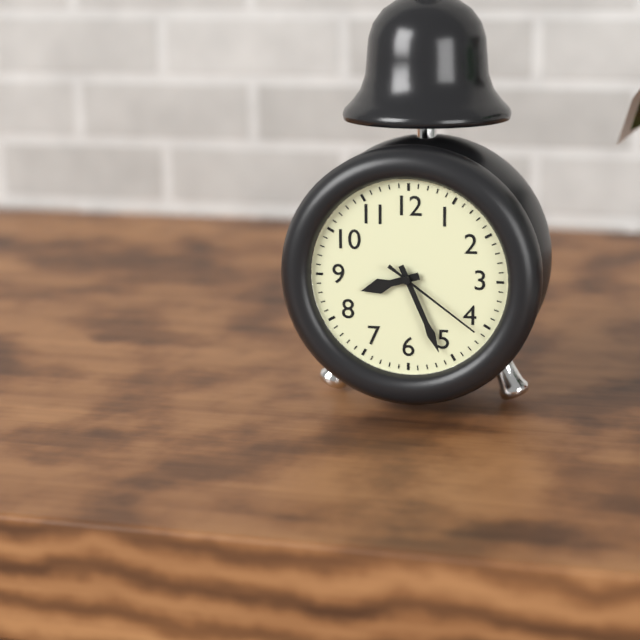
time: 8:26:21
